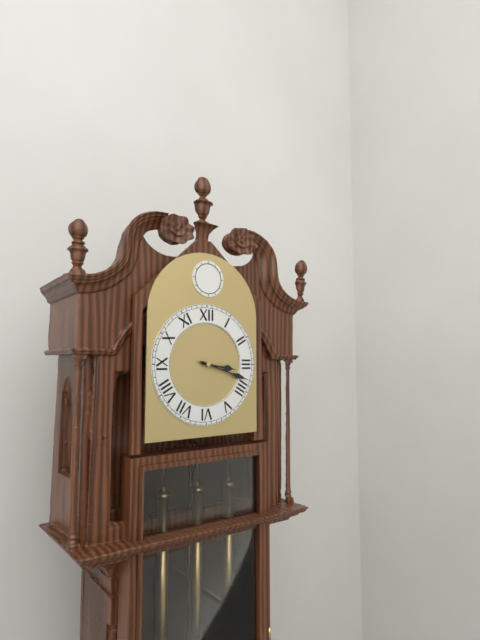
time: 3:18
